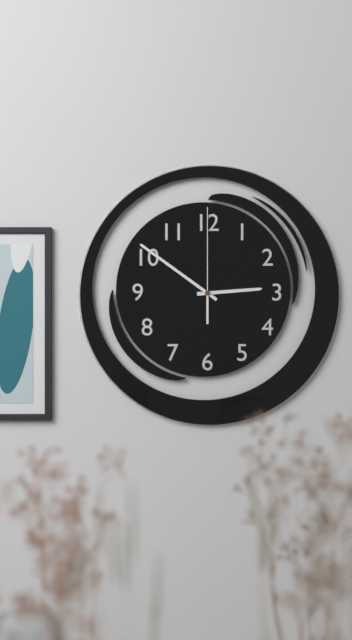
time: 2:51:00
